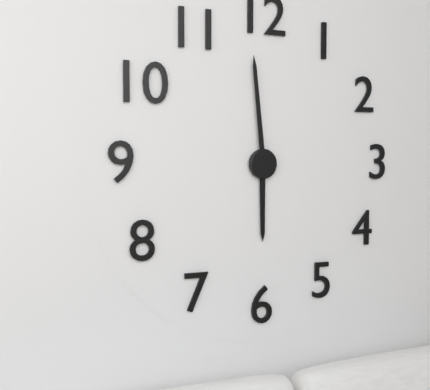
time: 5:59
